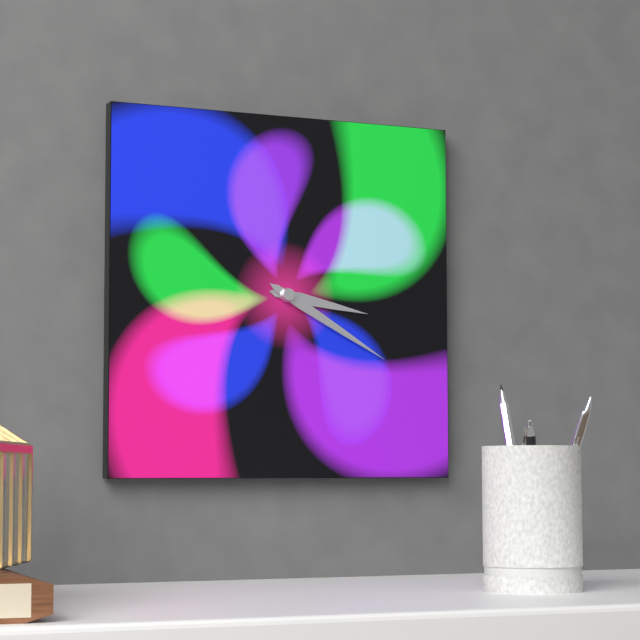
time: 3:20
